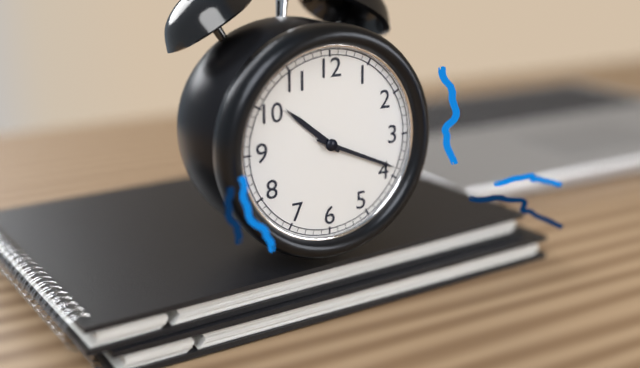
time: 10:19
